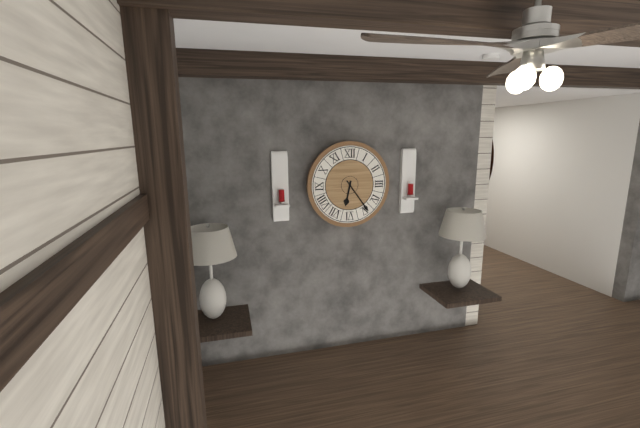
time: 6:24
